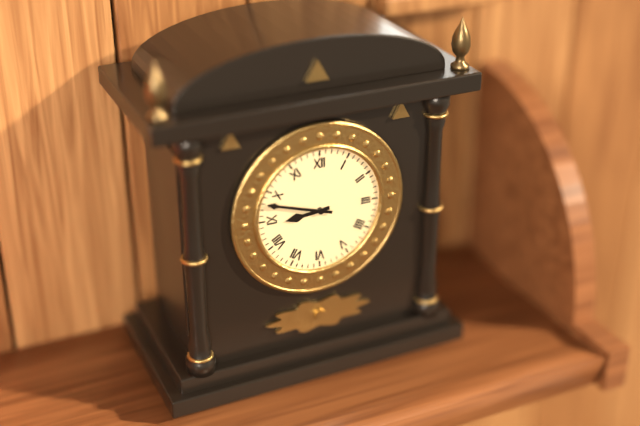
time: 8:48
